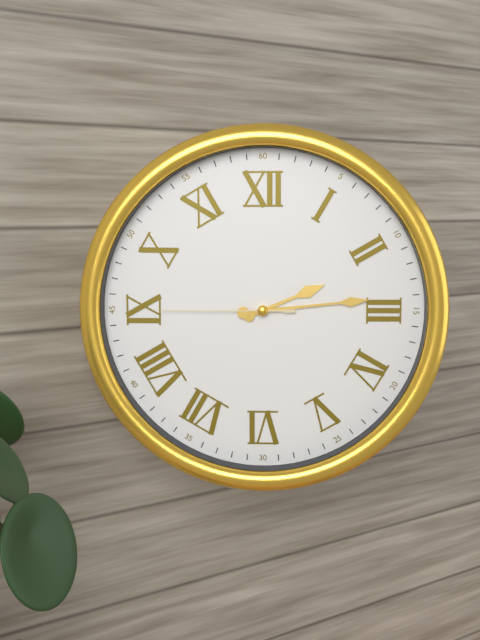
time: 2:14:45
